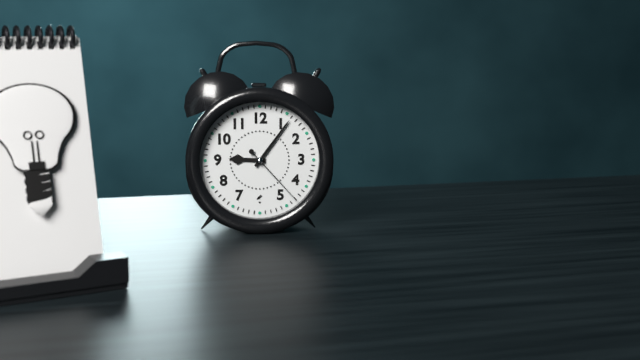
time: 9:06:23
